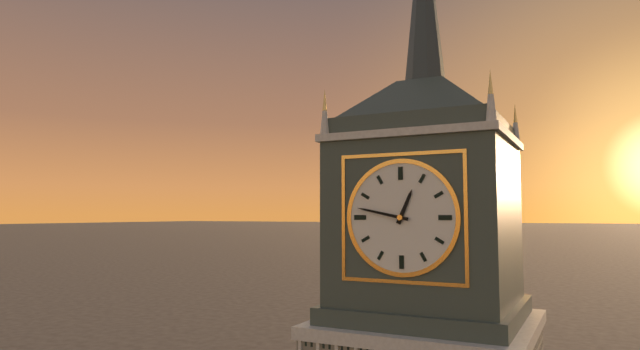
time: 12:47
